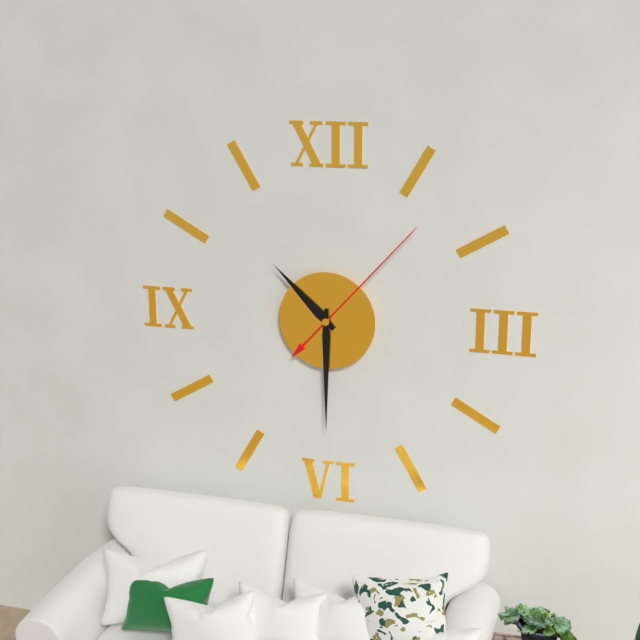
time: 10:30:07
